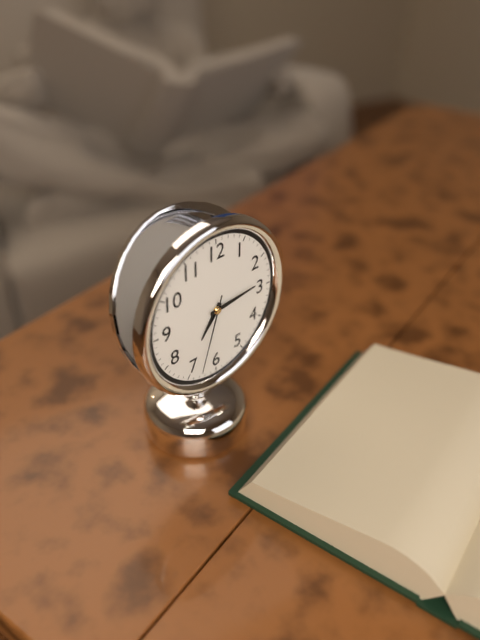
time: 7:14:33
